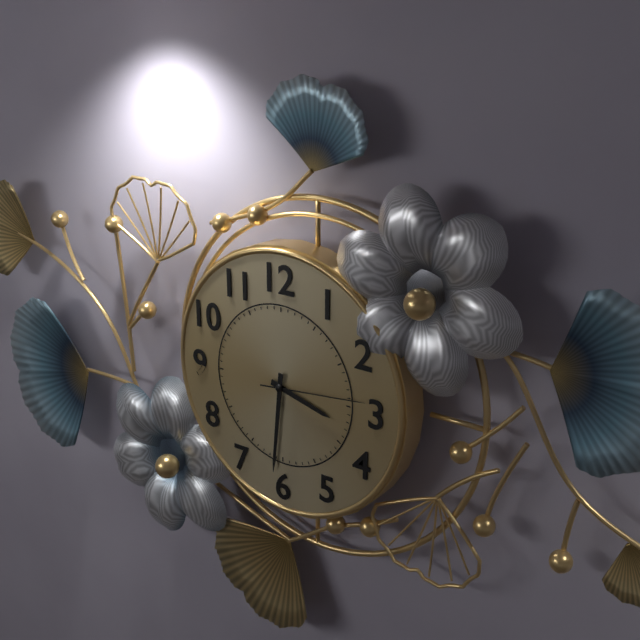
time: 3:31:14
